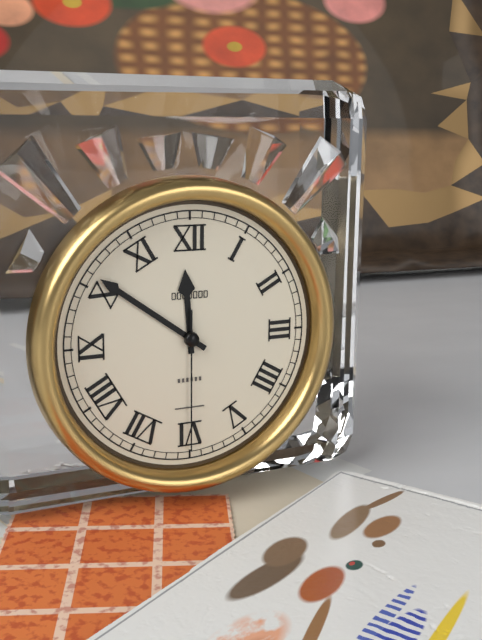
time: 11:51:30
